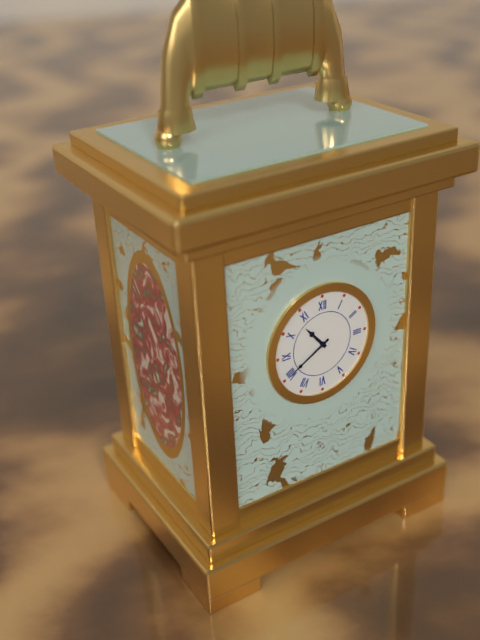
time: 10:40
